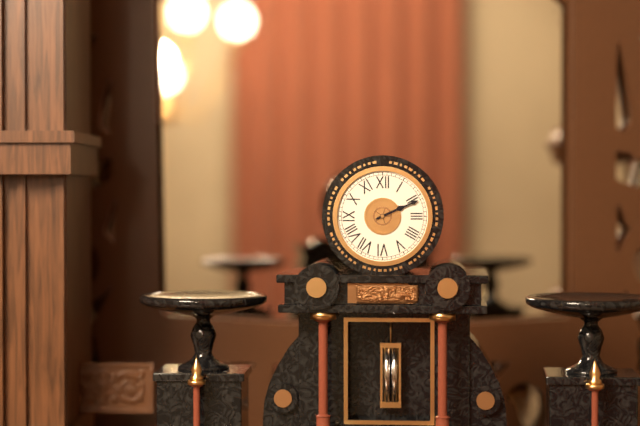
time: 2:11
